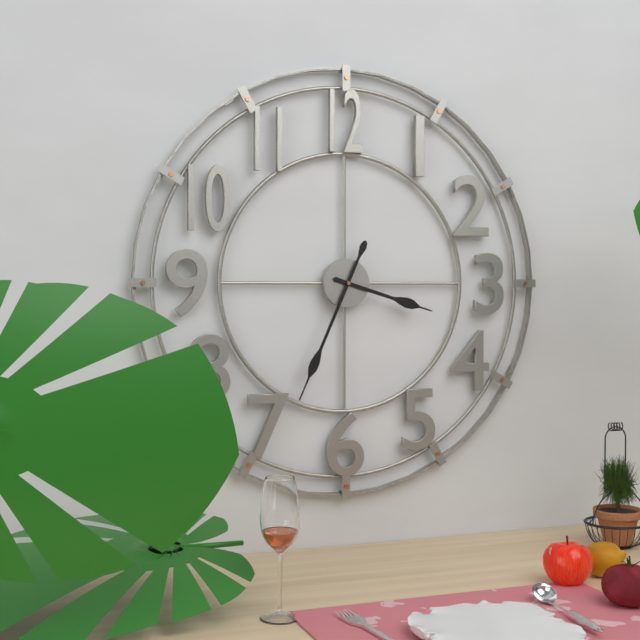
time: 3:34
